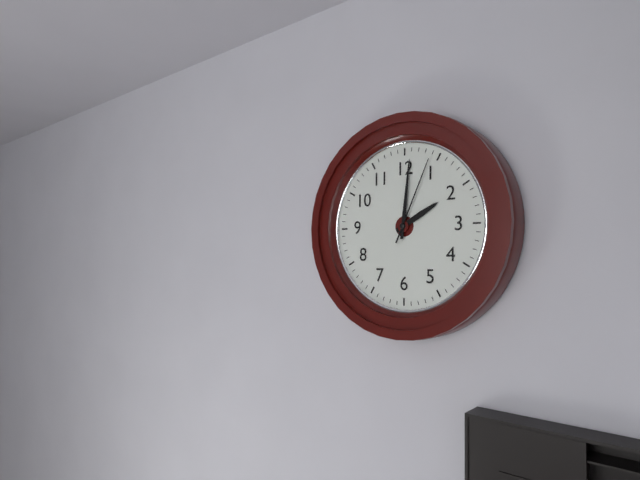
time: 2:01:04
